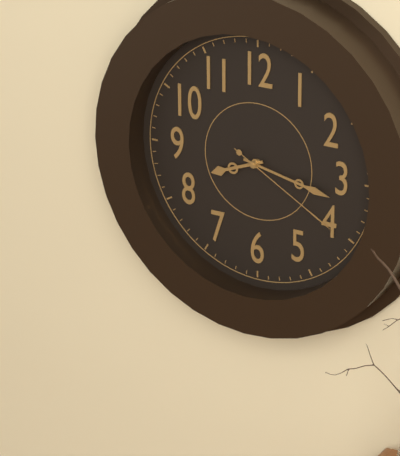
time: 8:17:20
